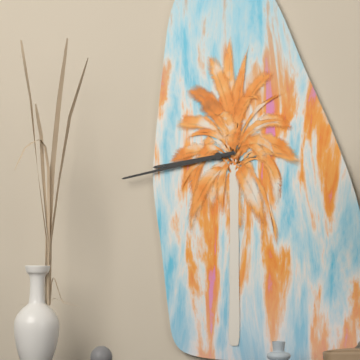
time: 8:43
